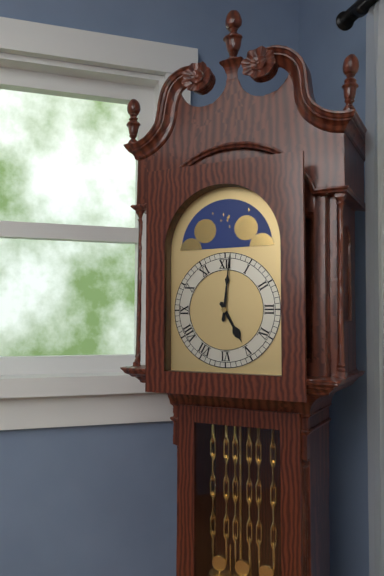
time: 5:01
